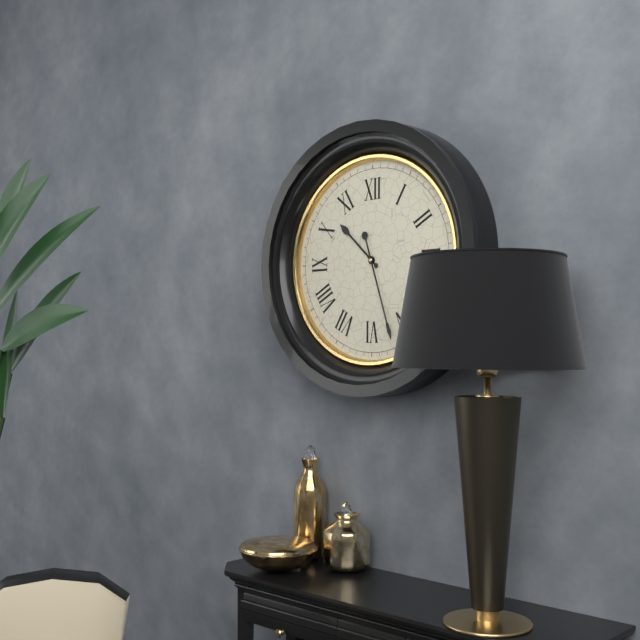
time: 10:27
